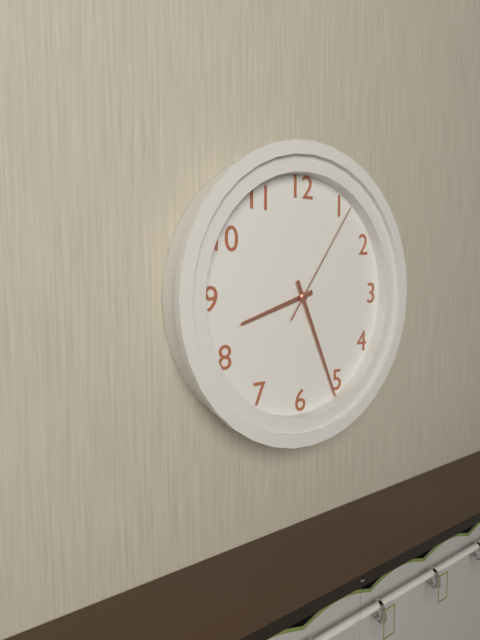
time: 8:26:06
